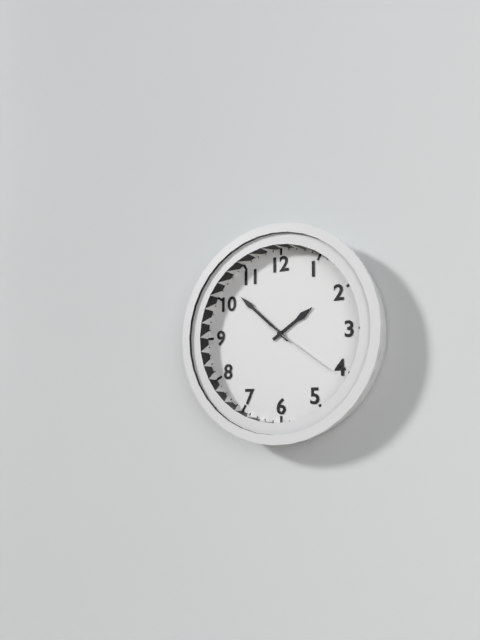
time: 1:52:21
